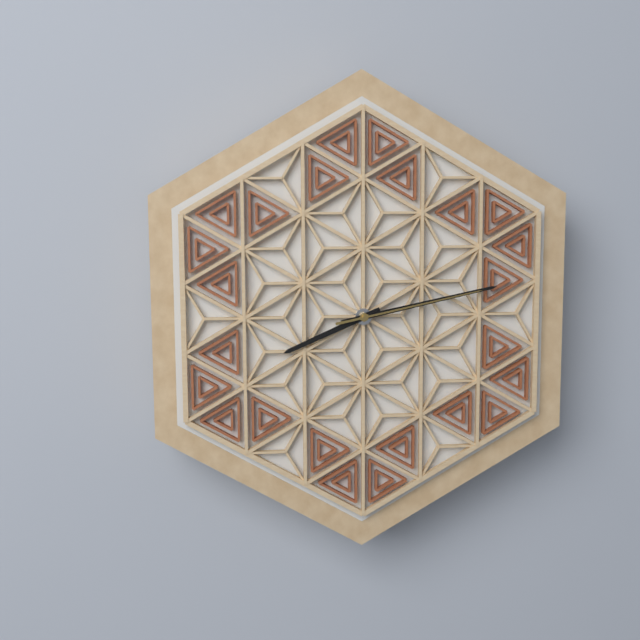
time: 8:13:13
